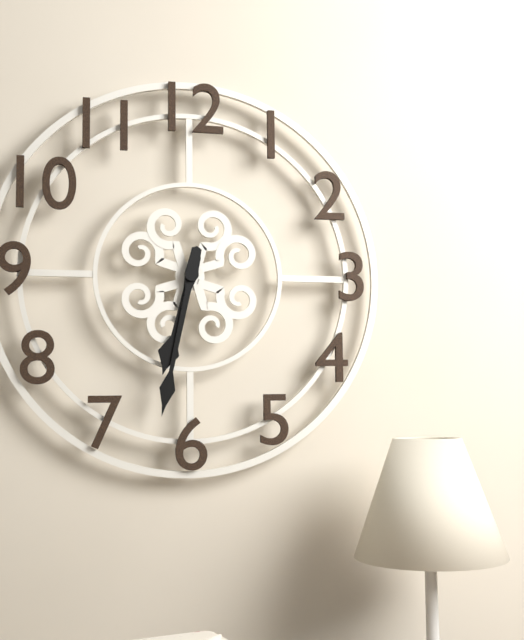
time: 6:32
